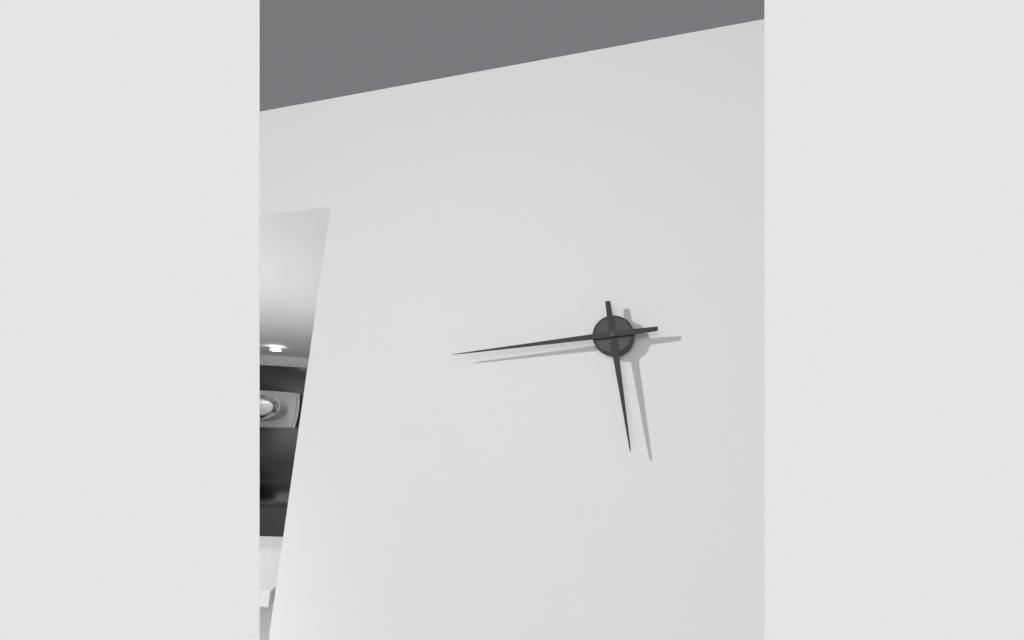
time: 5:44
